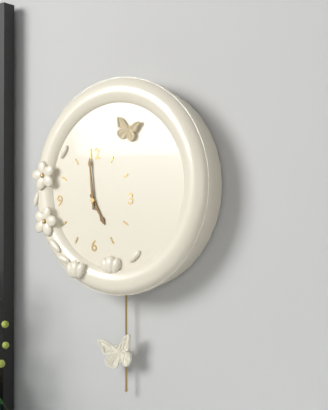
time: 4:59
